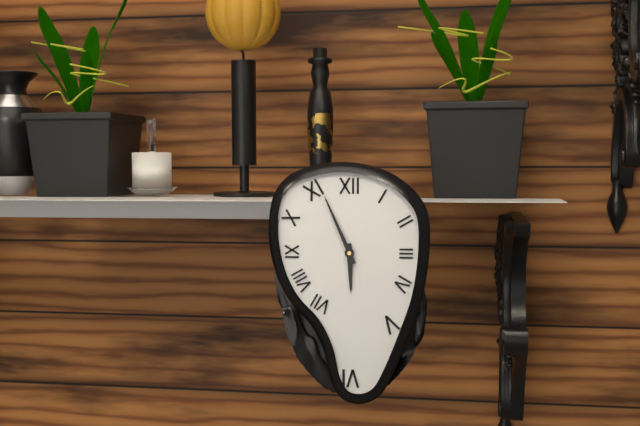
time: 5:56
